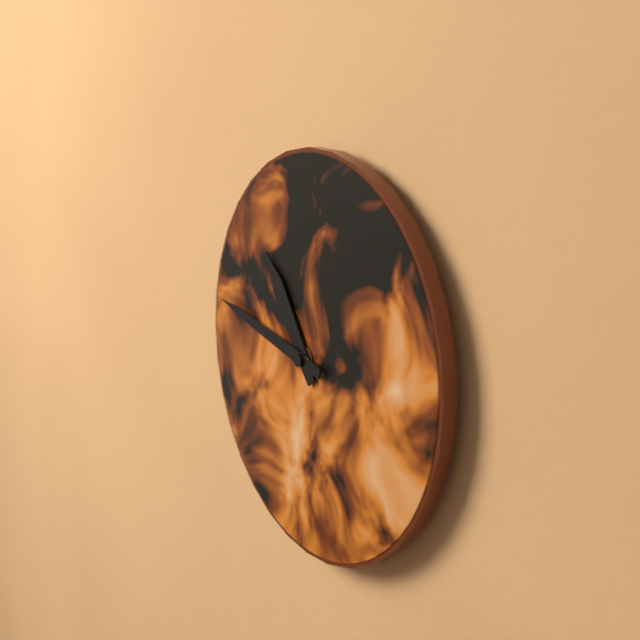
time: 10:47
